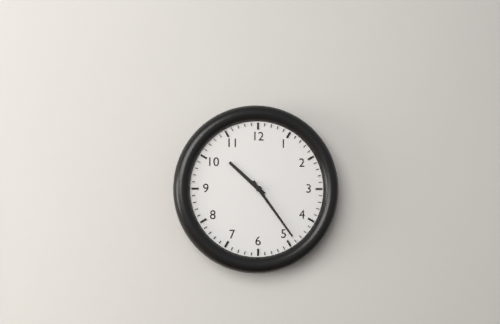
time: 10:24
